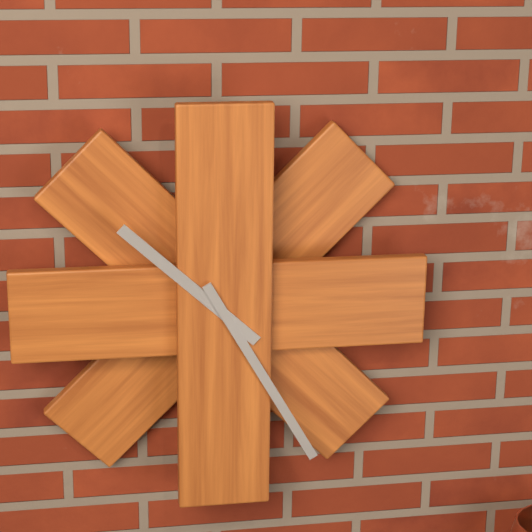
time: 10:25
